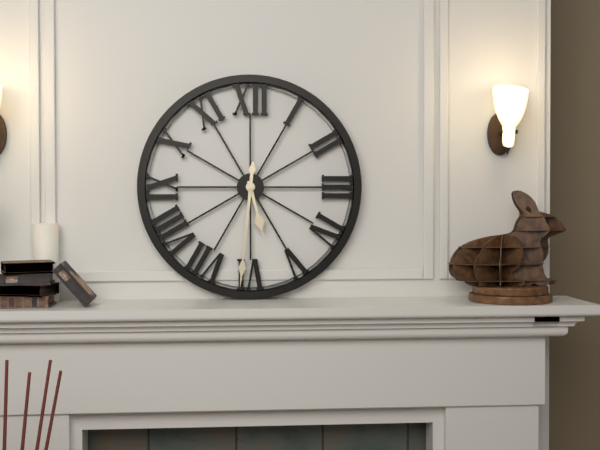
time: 5:31
